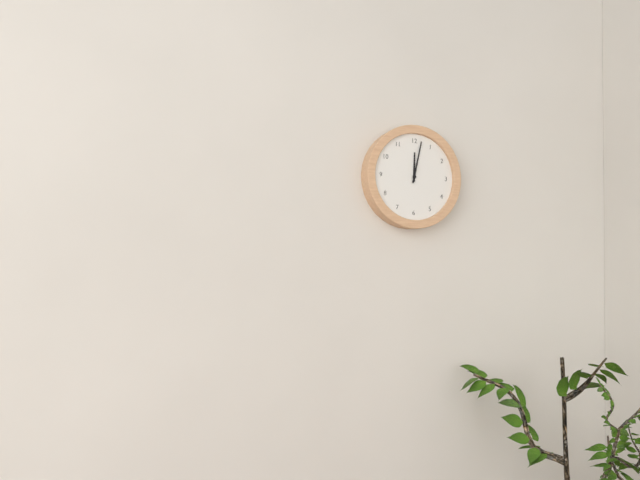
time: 12:02
